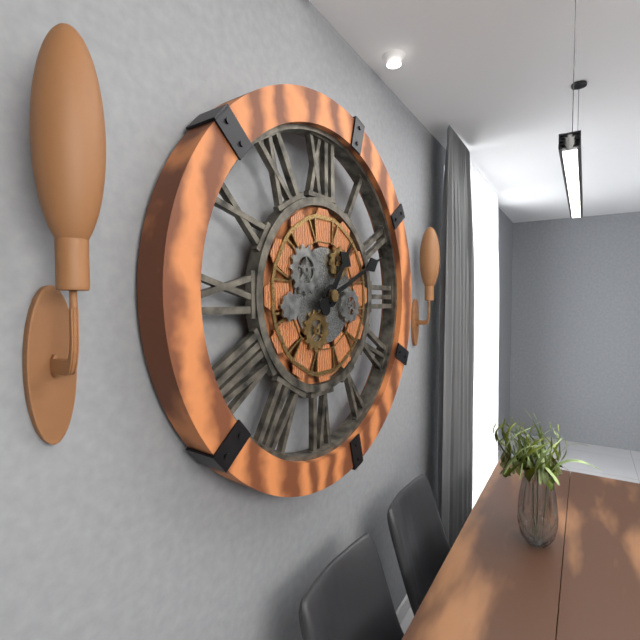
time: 1:11
